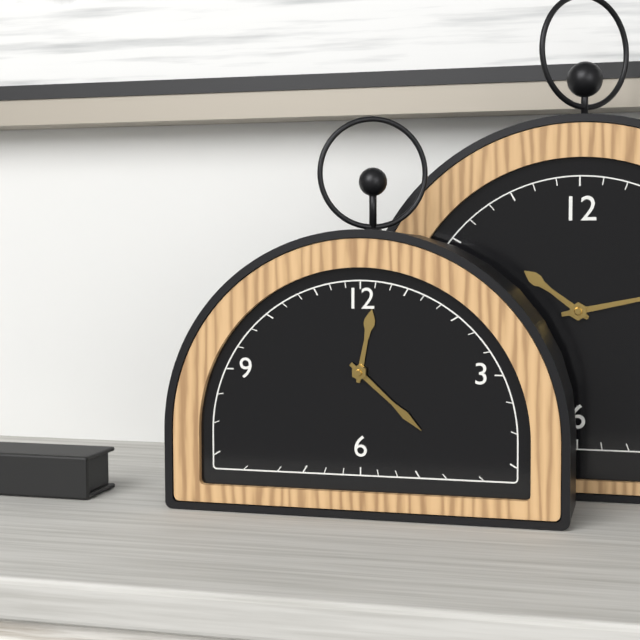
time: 12:22
